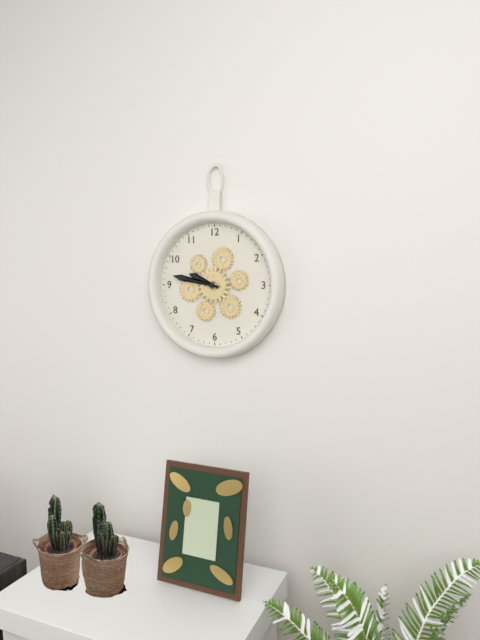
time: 9:47
